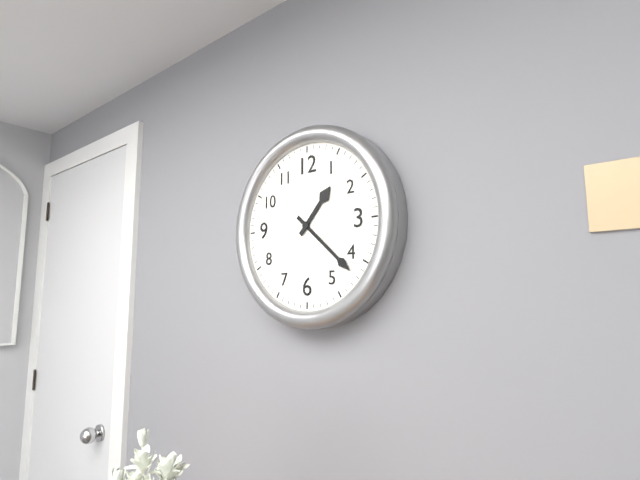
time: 1:22
